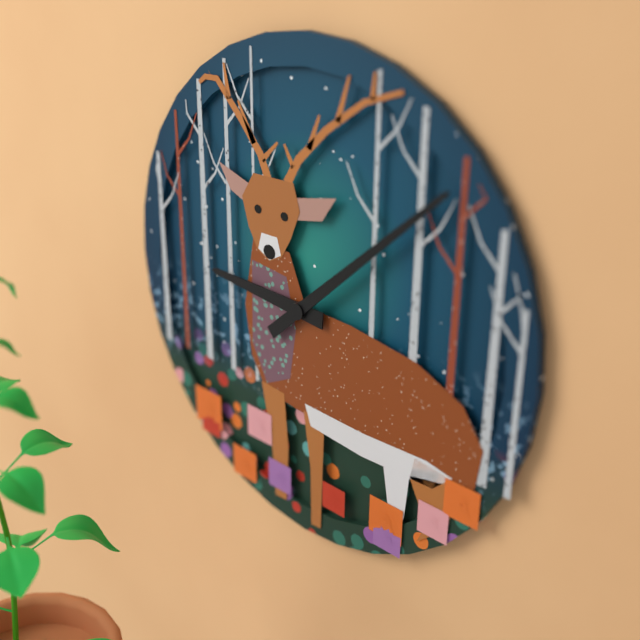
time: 9:08
